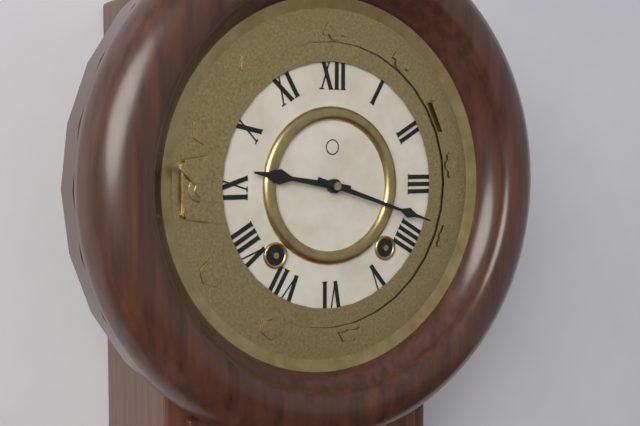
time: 9:18
